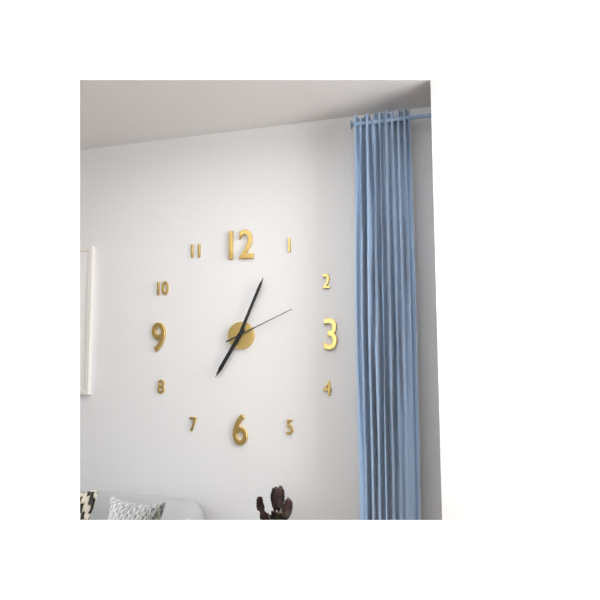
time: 7:04:11
